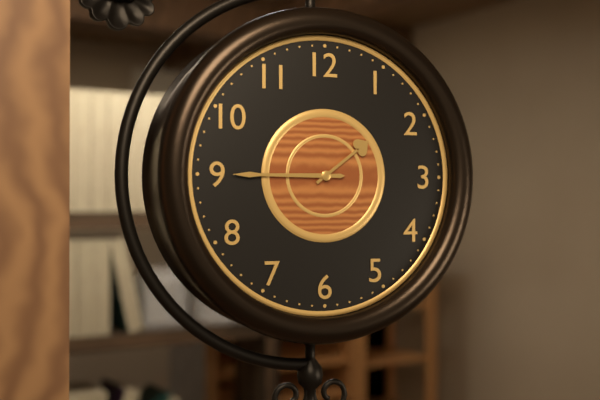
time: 1:45
